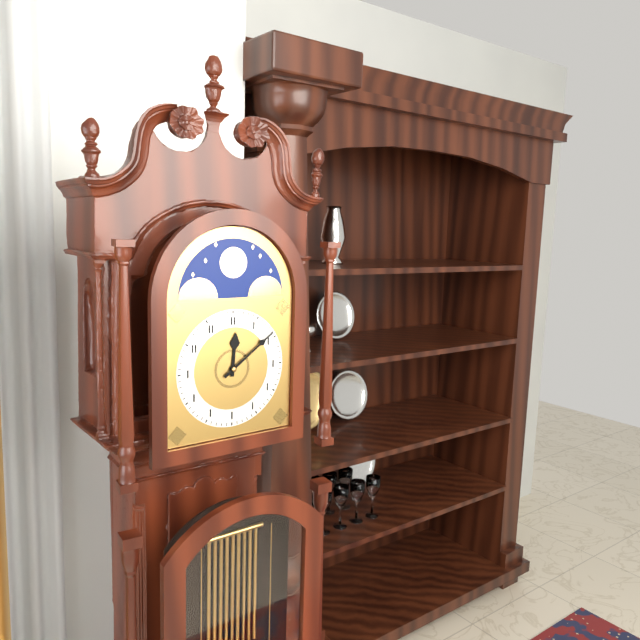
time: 12:09
